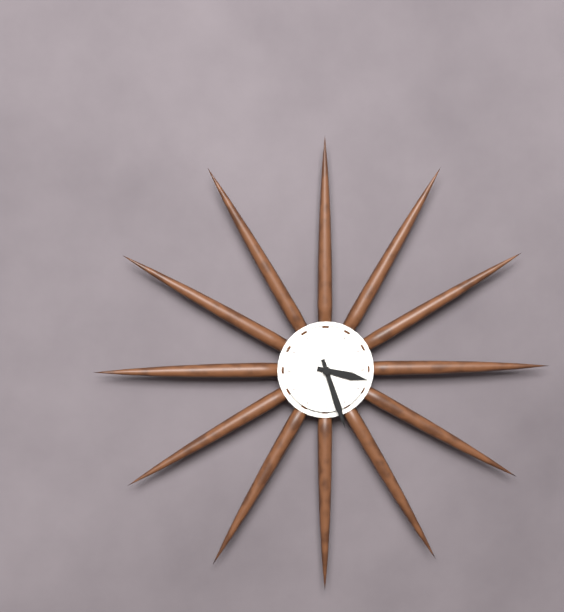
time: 3:27
